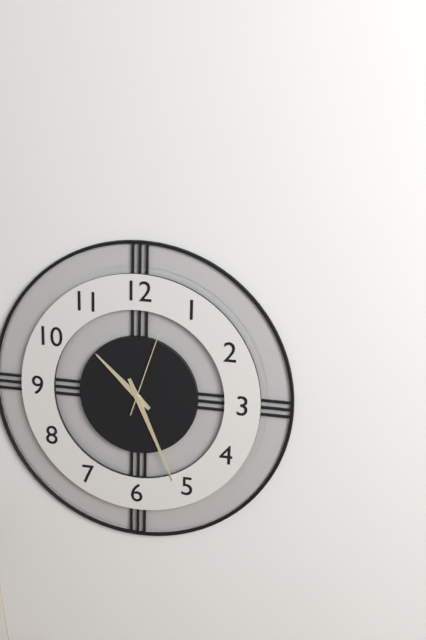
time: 10:26:03
